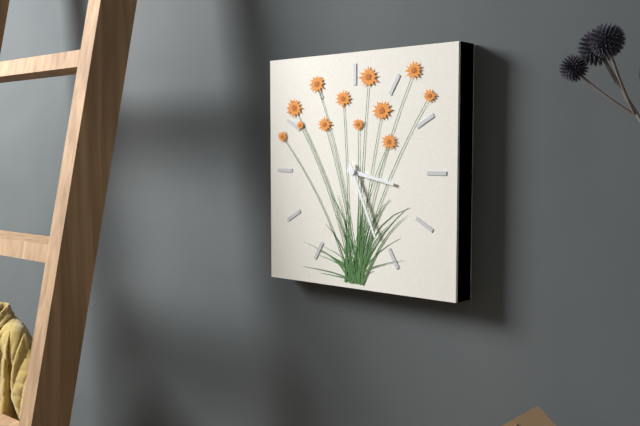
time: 3:26
